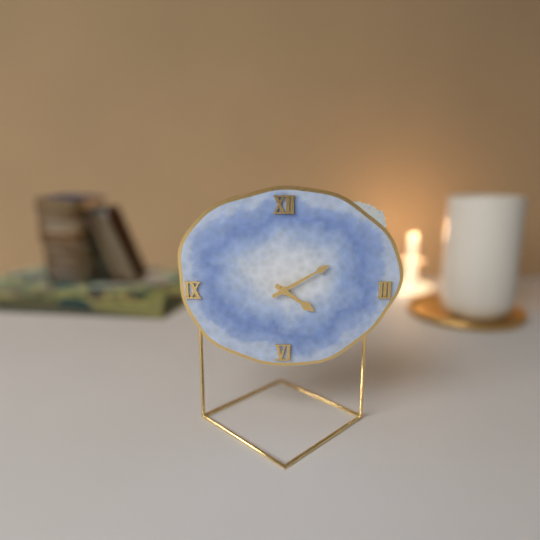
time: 4:10
